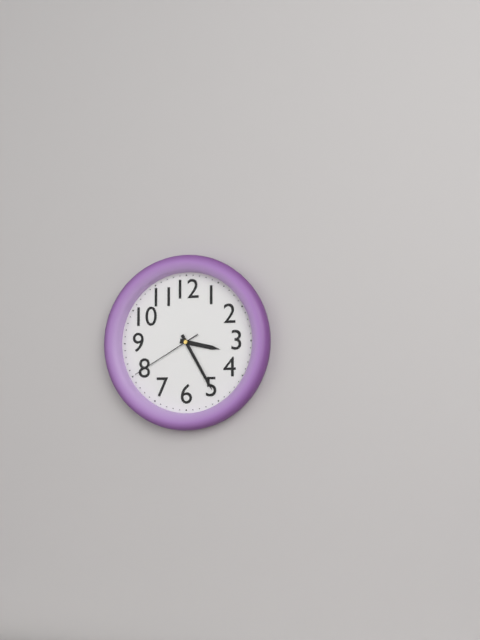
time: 3:25:40
